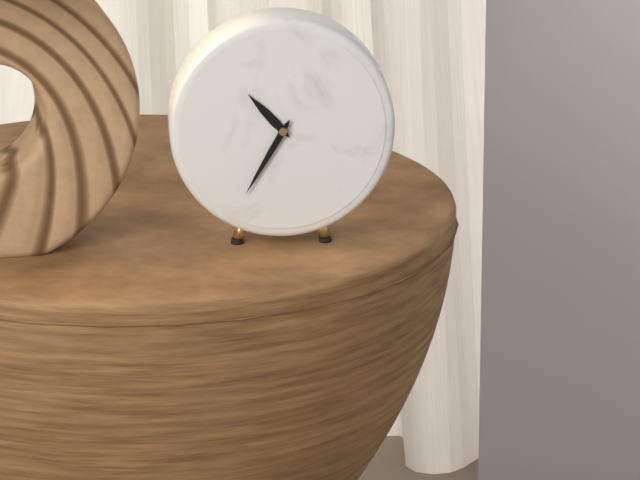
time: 10:35
